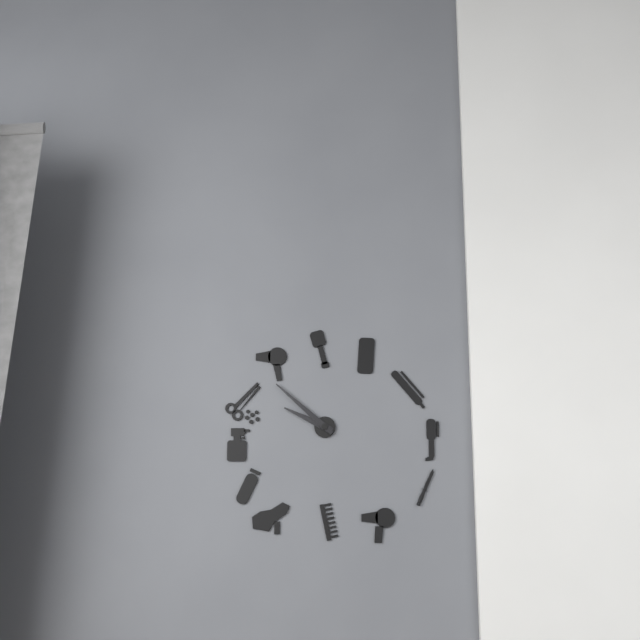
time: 9:52
